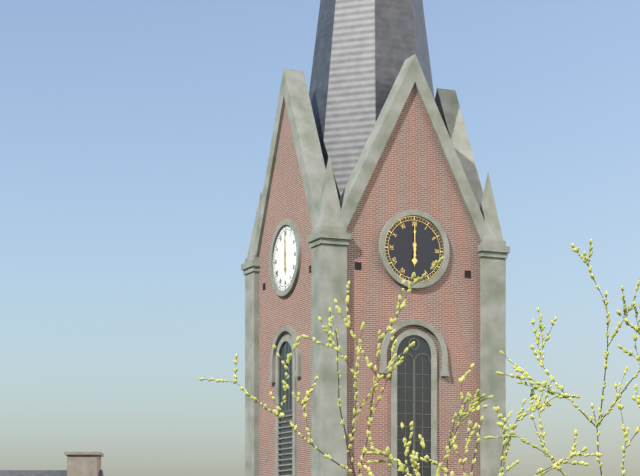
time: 6:00
